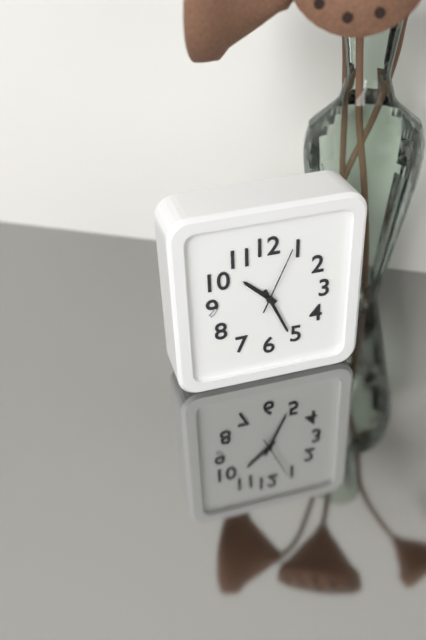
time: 10:26:04
